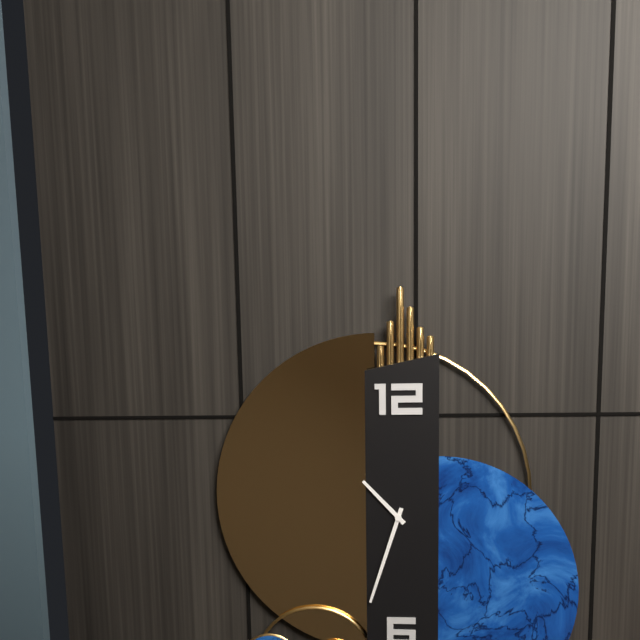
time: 10:33
